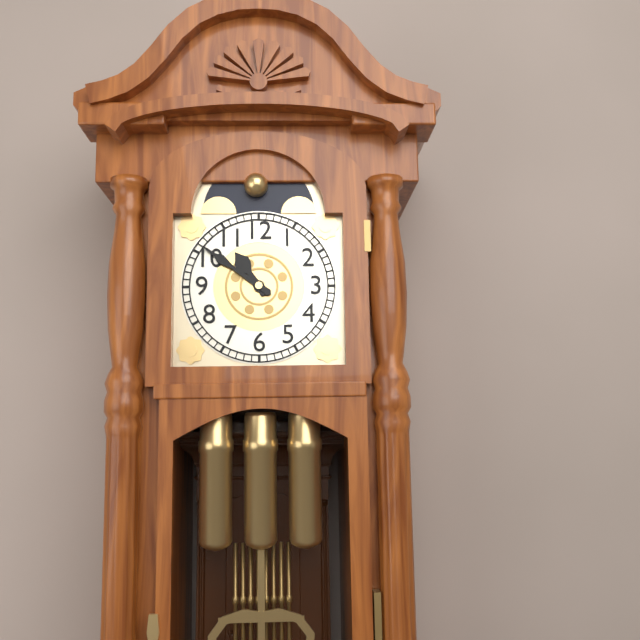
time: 10:51
